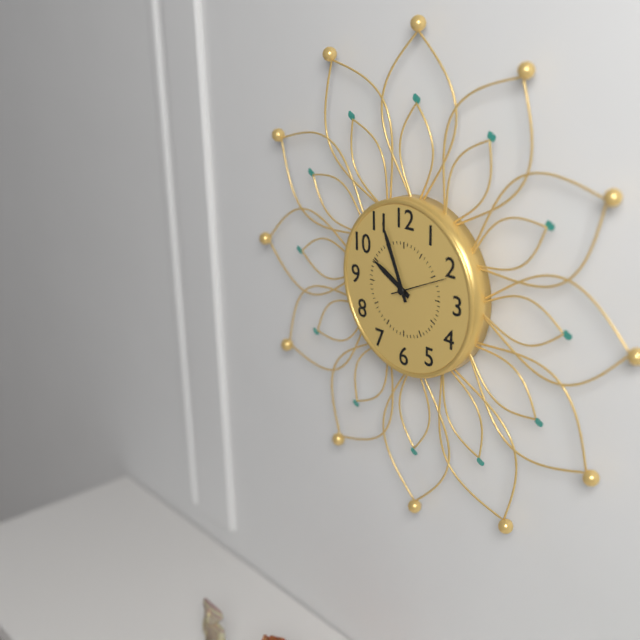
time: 9:56:11
